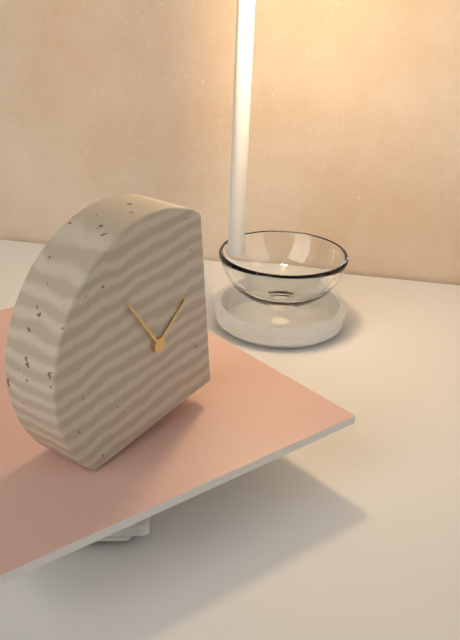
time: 1:55
